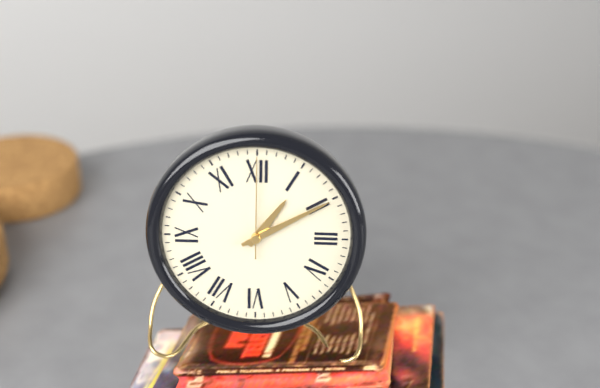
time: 1:10:00
